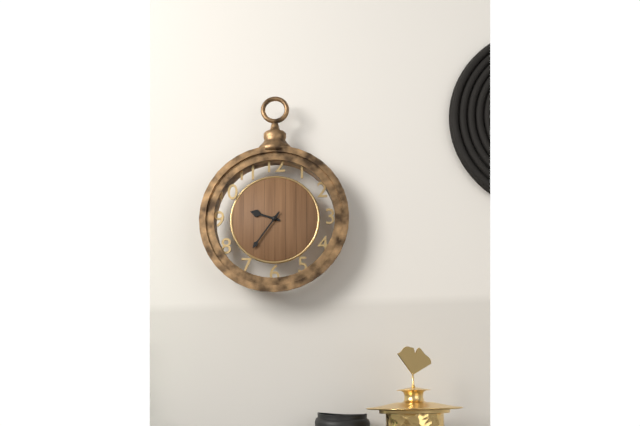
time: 9:36
